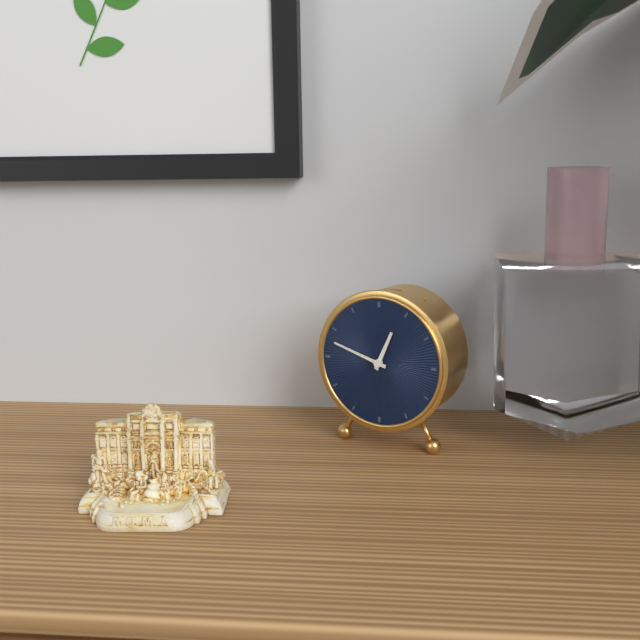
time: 12:48
